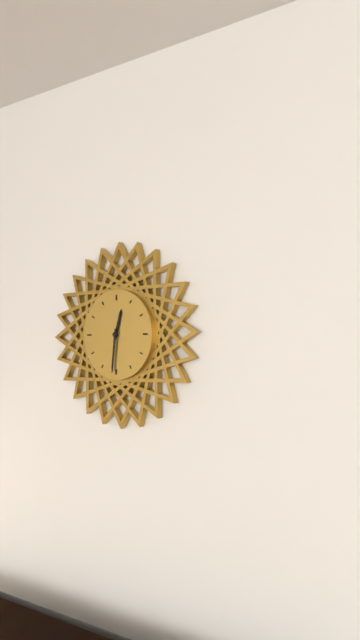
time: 12:31
